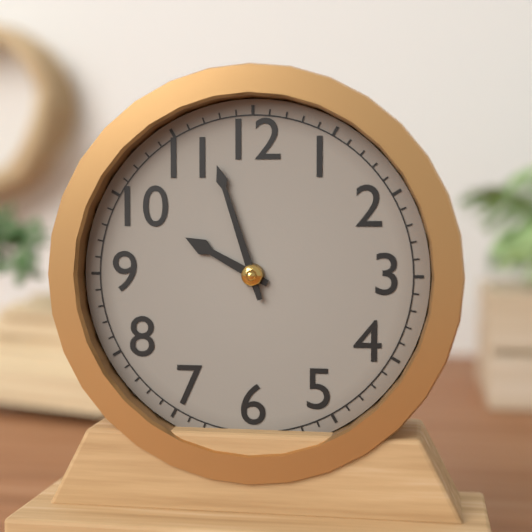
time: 9:57
